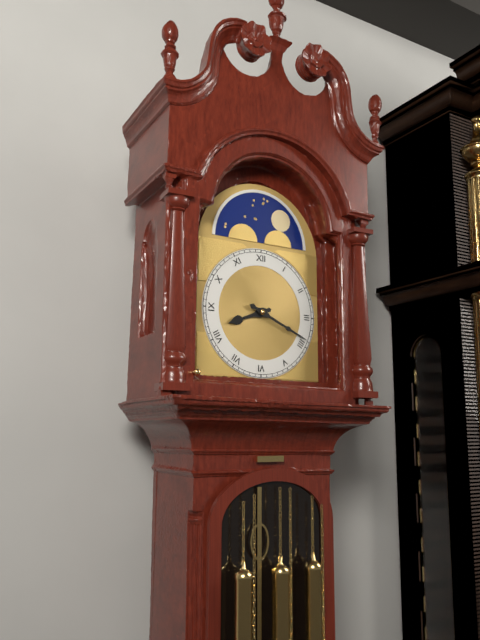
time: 8:19
